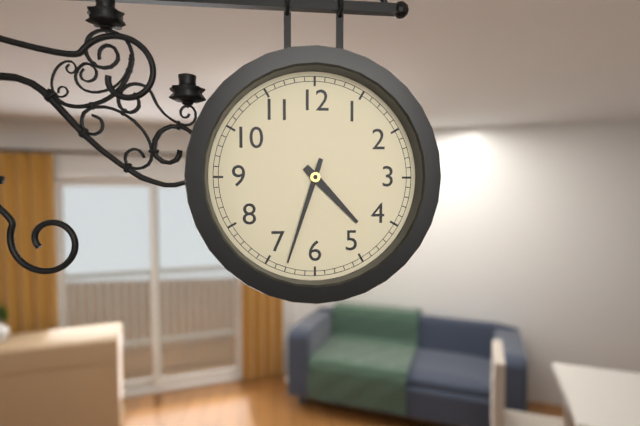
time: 4:33
